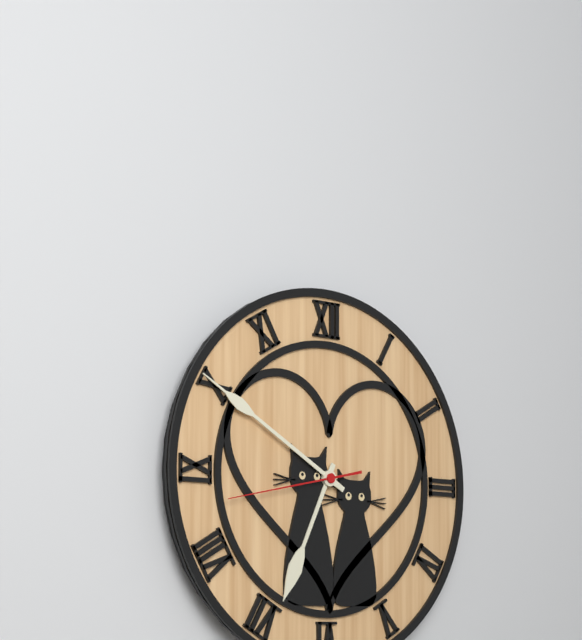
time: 6:50:43
